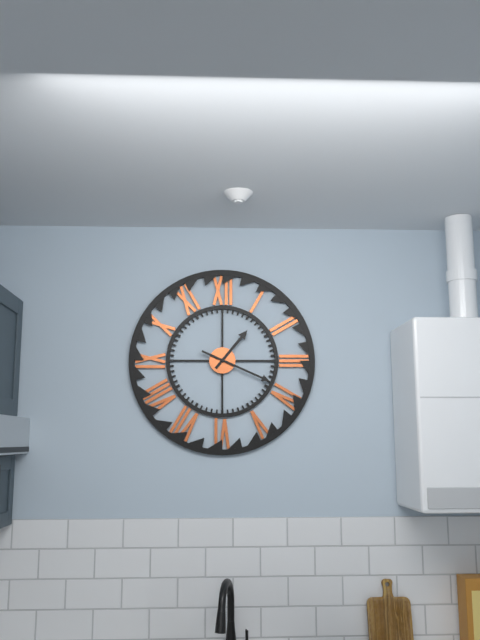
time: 1:19
